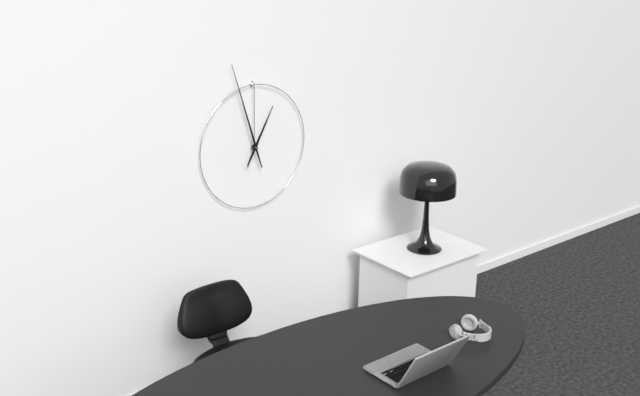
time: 12:57
